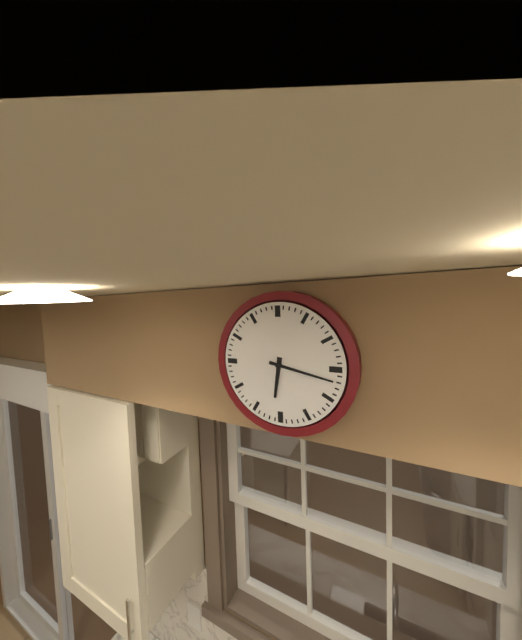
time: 6:17
